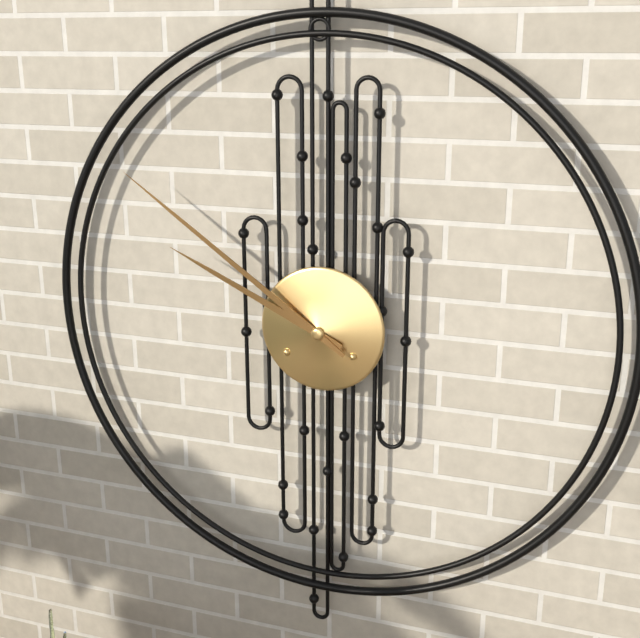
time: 9:51
